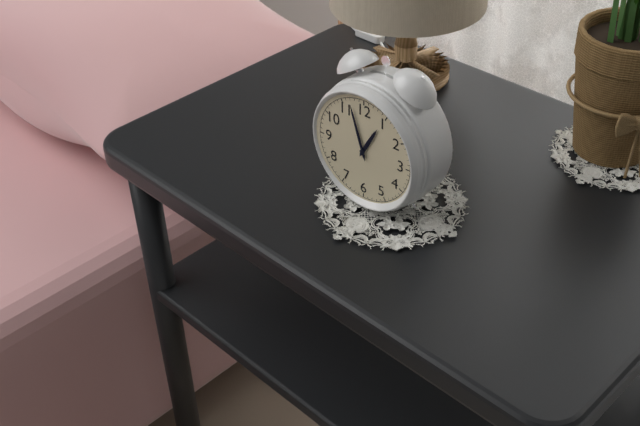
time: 12:57
